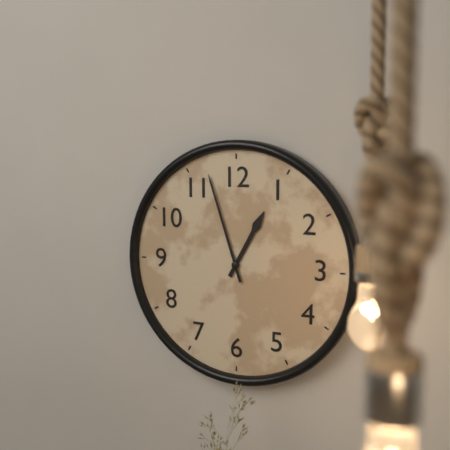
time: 12:57
